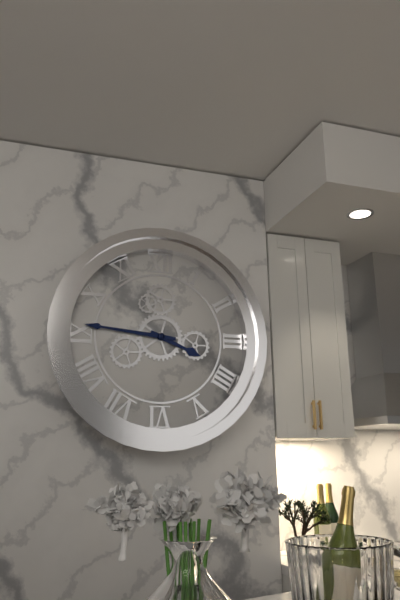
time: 3:46
